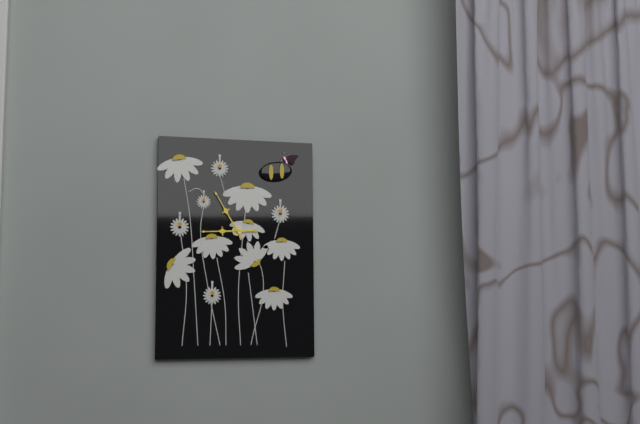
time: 8:55
